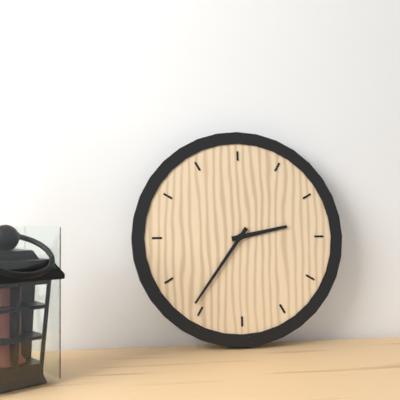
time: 2:36
